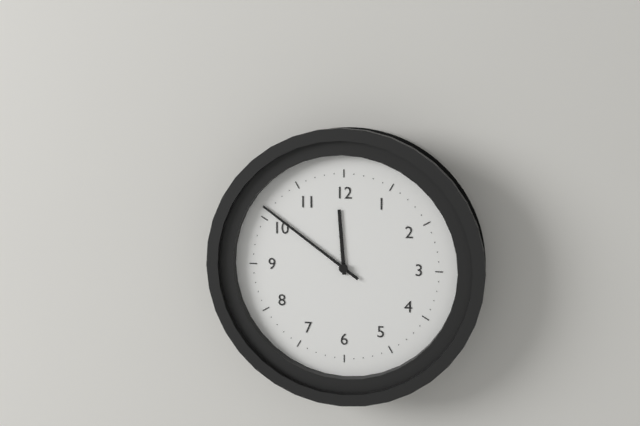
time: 11:51
